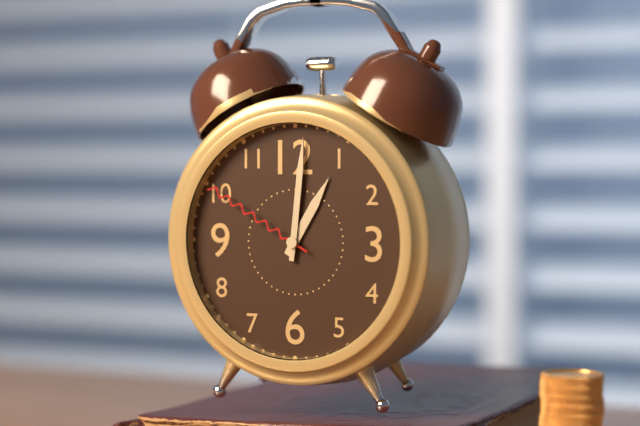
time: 1:01:50
